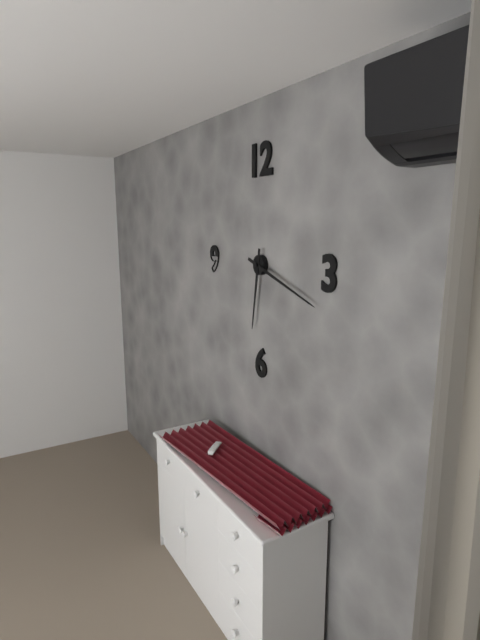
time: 6:18
